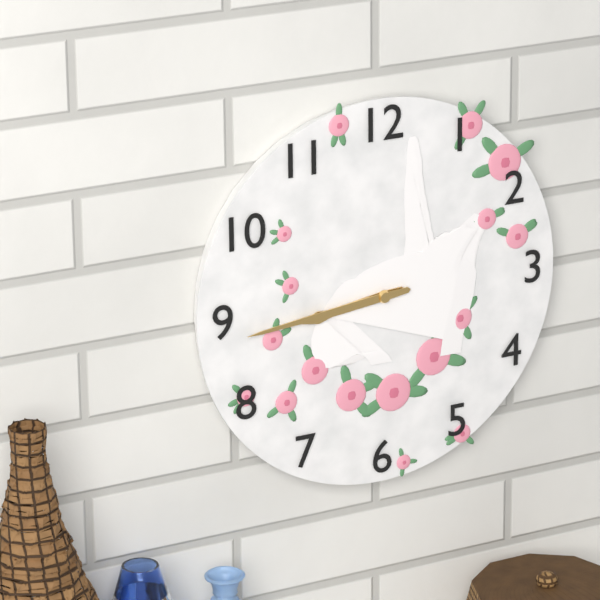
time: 8:44
